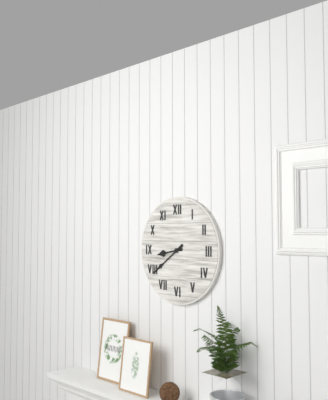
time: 8:39
